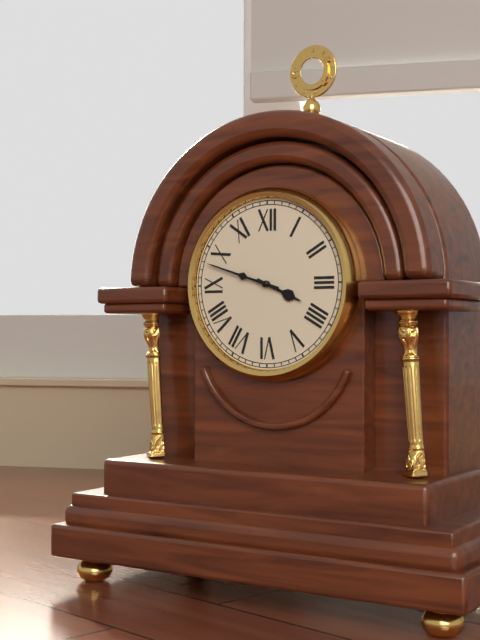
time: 3:48
